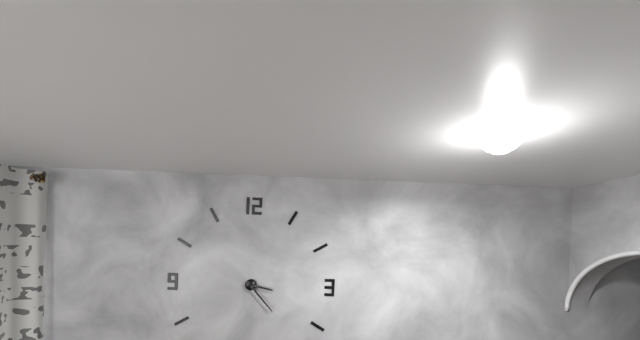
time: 3:23
